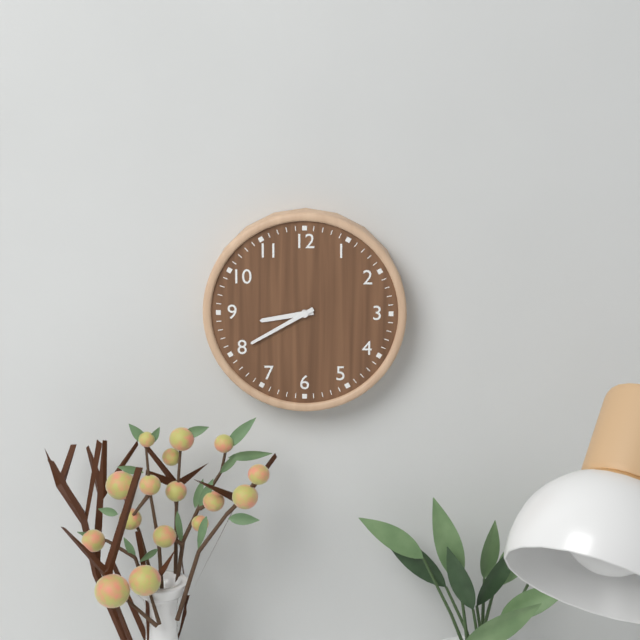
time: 8:40
